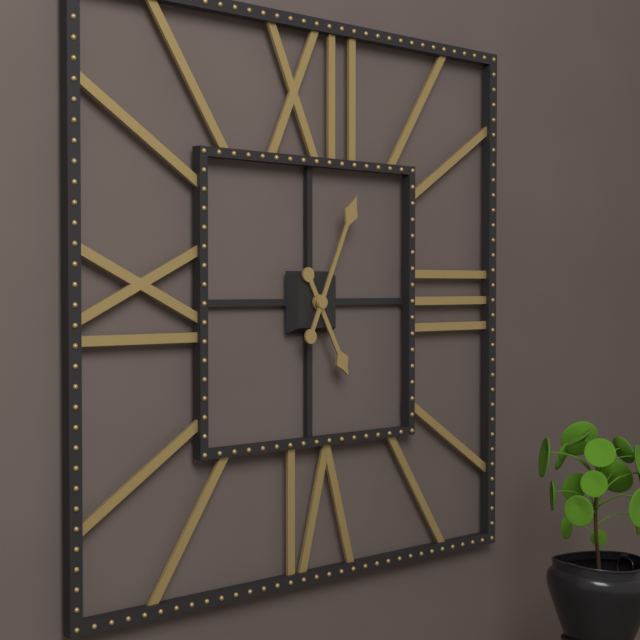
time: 5:04
